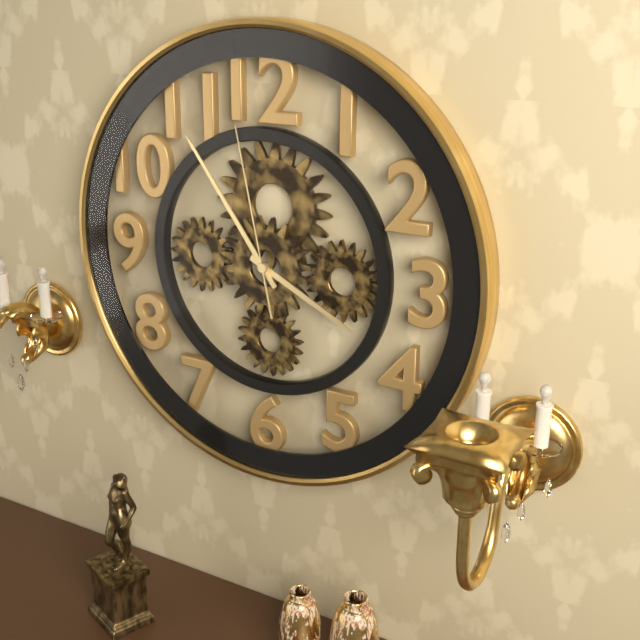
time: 3:54:58
